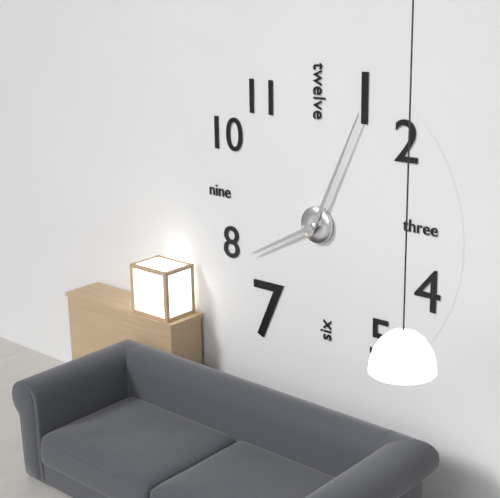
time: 8:04
